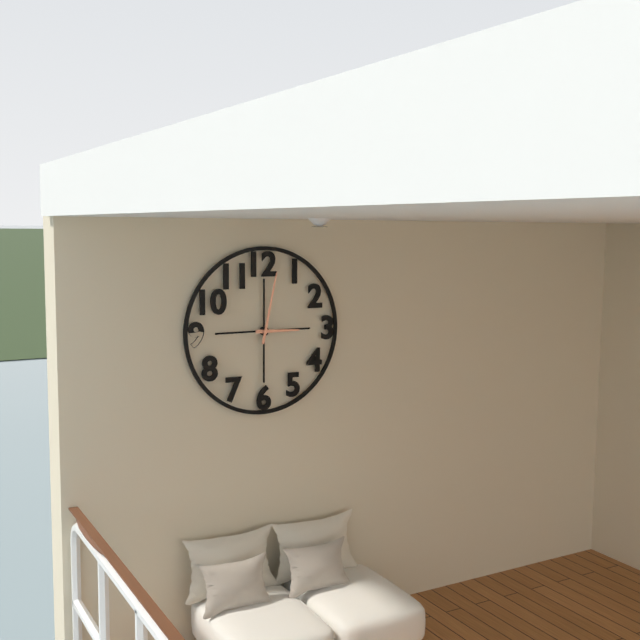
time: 3:02
